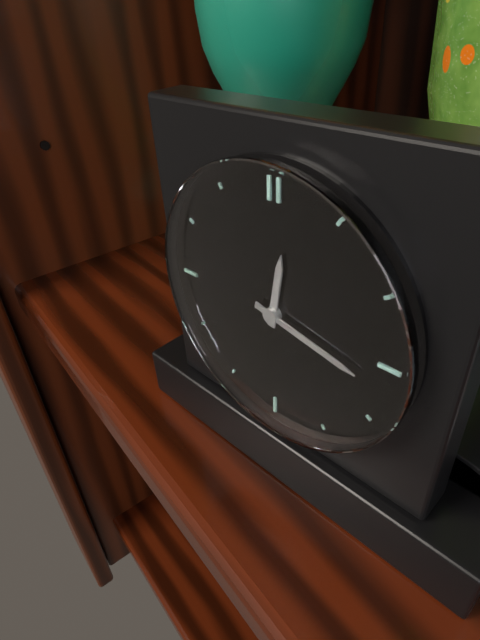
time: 12:17
